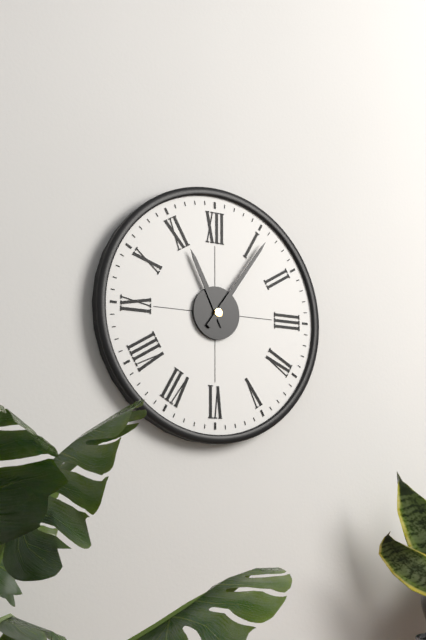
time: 11:06
